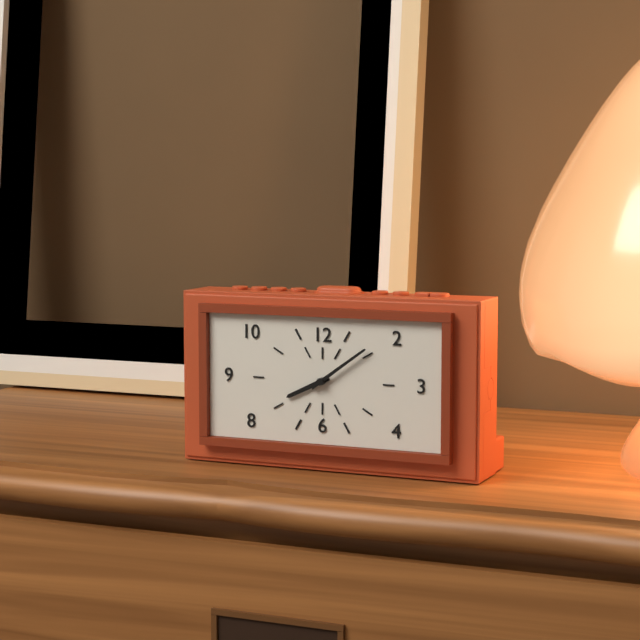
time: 8:09
